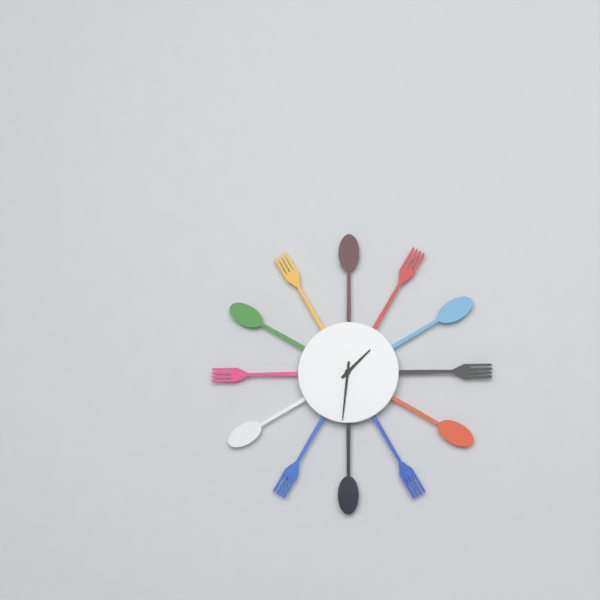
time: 1:31
